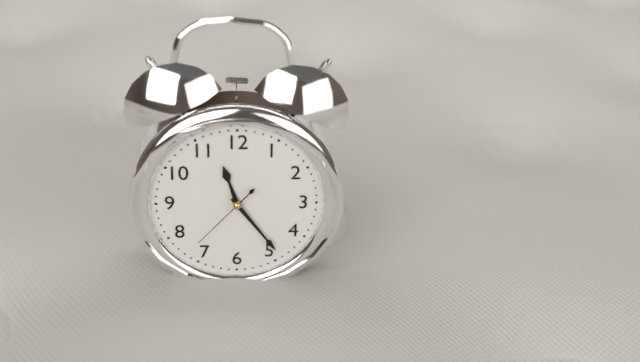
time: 11:24:37
